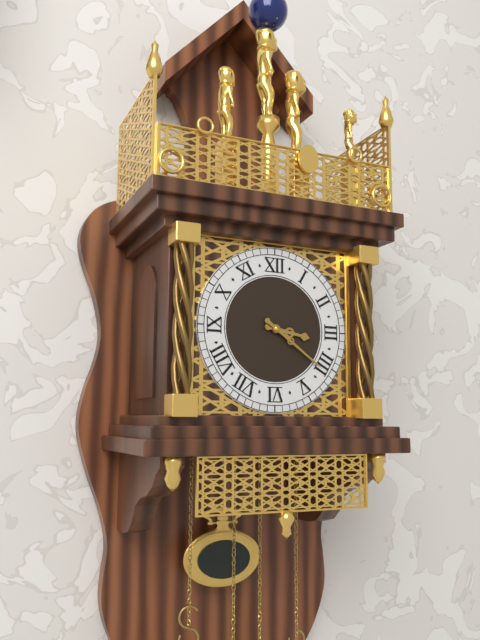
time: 3:21
